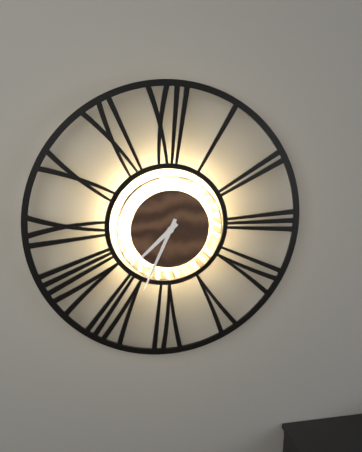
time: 7:34
